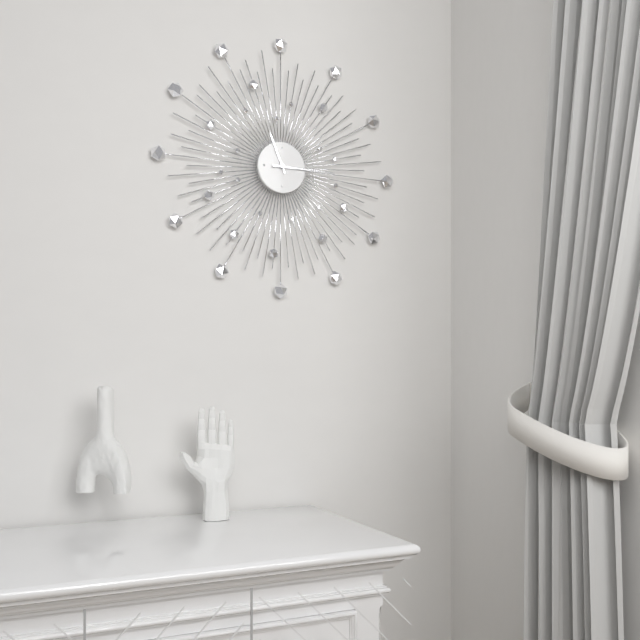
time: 11:15
